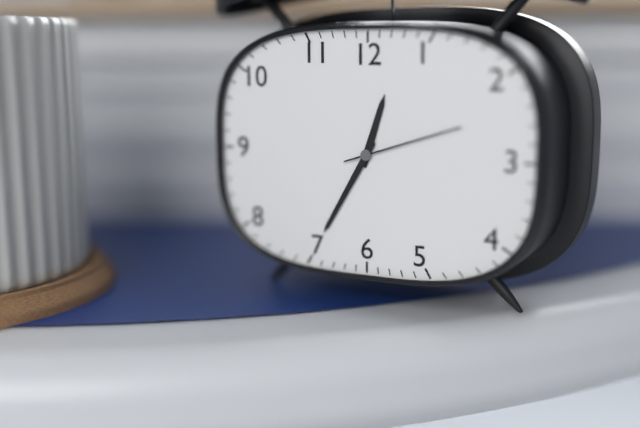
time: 12:35:12
